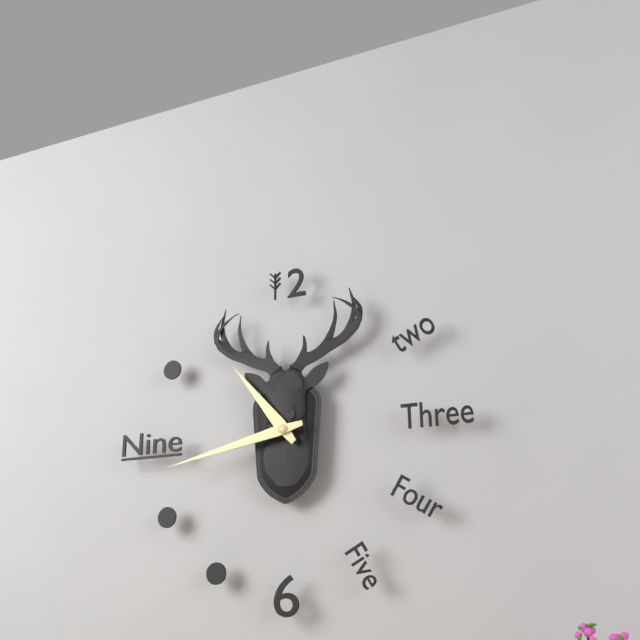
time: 10:43
